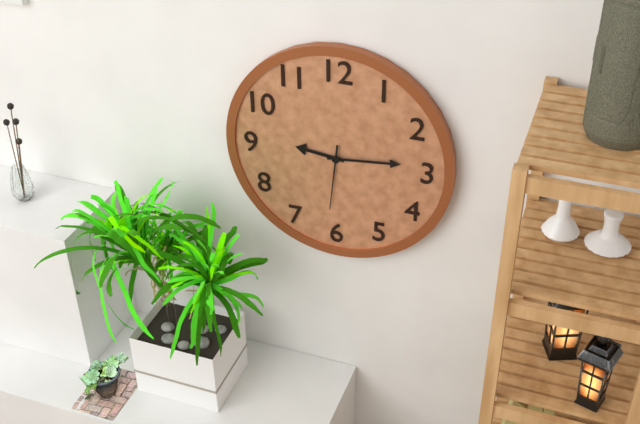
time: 9:14:31
